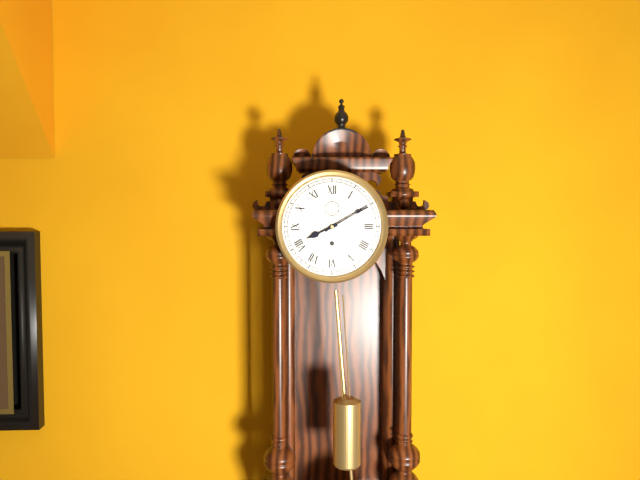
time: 8:10
